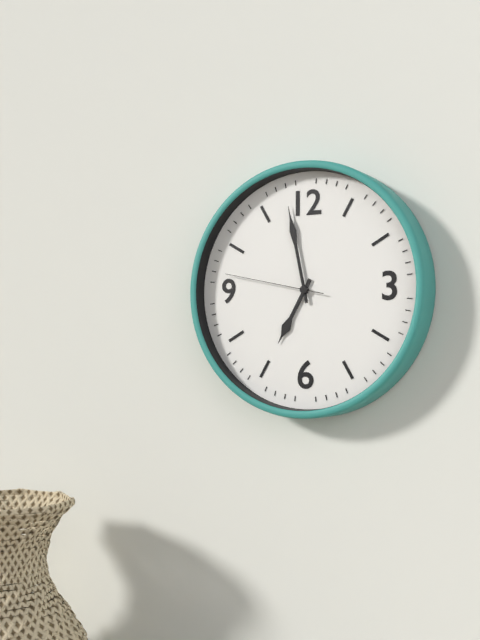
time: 6:58:47
